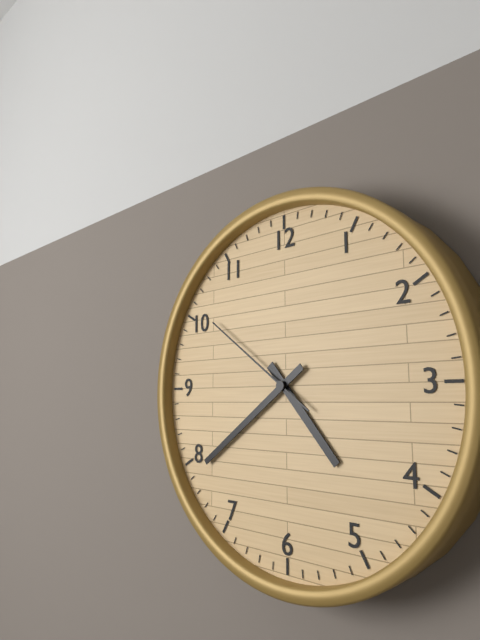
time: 4:39:51
